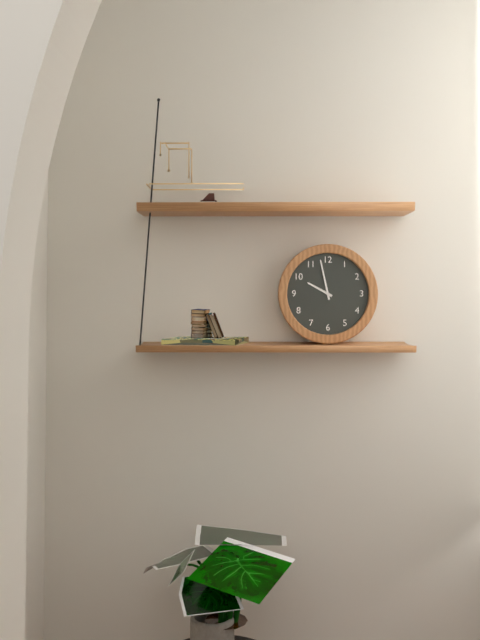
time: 9:58
